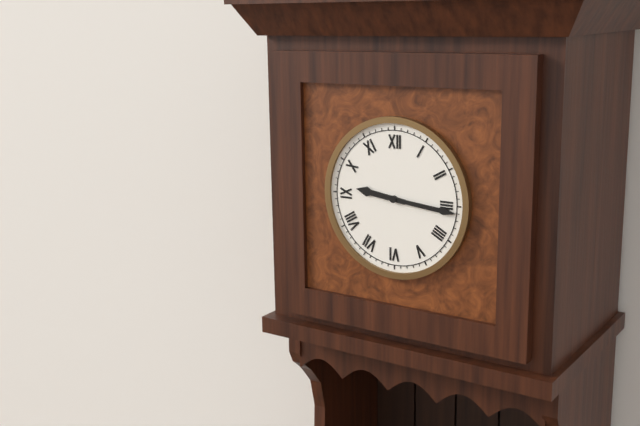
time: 9:16
